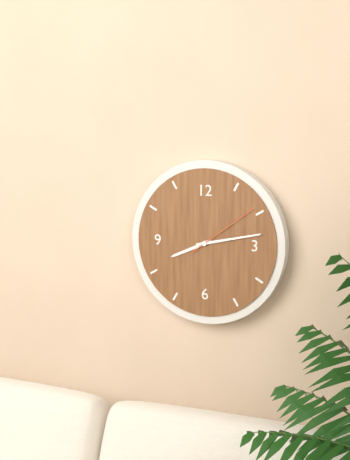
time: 8:13:09
